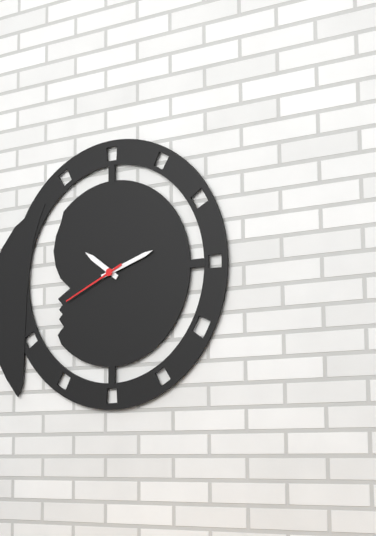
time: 10:12:41
